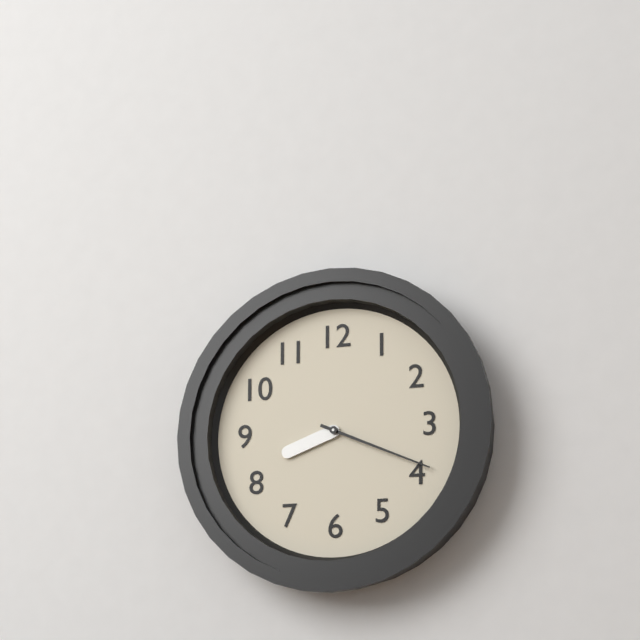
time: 8:19
